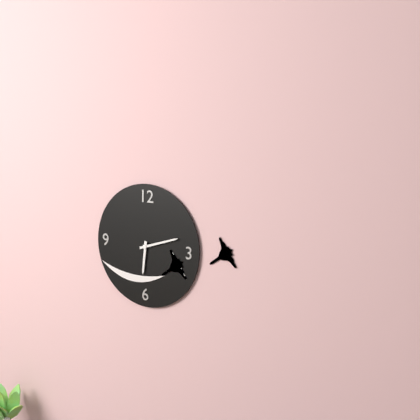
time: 6:12
